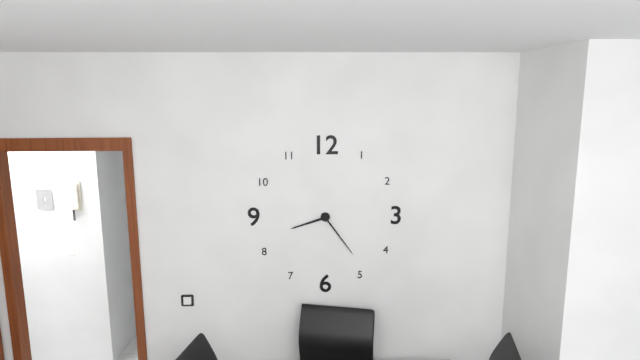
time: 8:24
